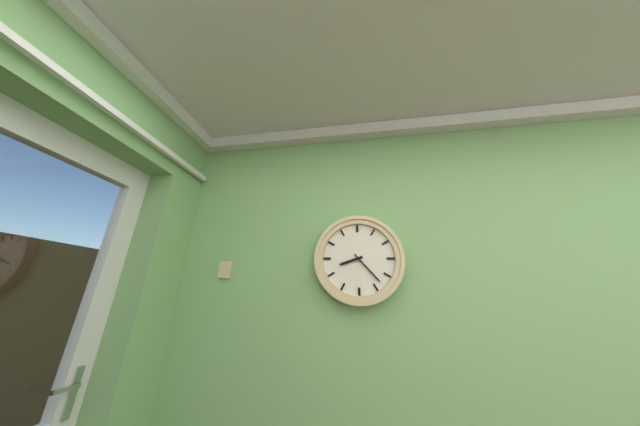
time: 8:23
